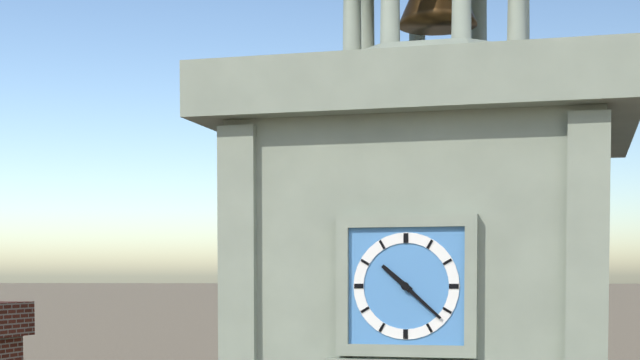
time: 10:22
